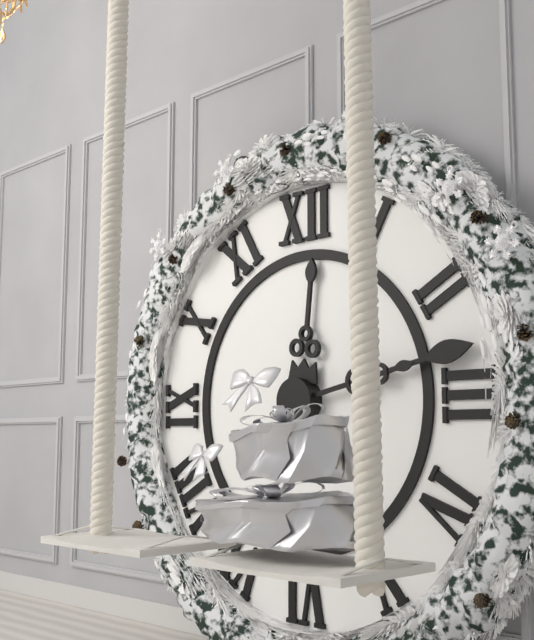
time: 12:13
